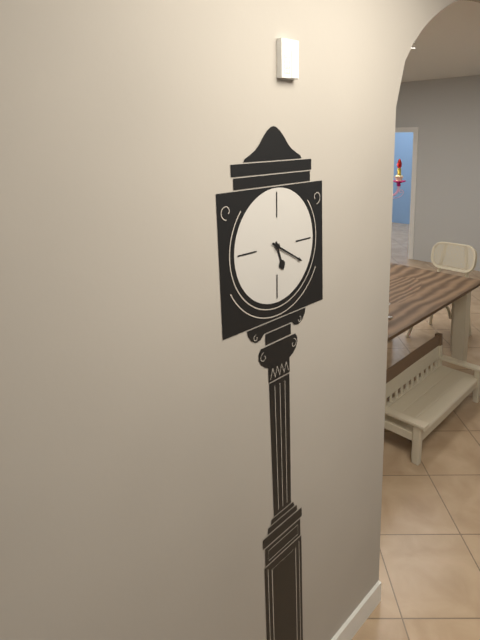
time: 5:20
